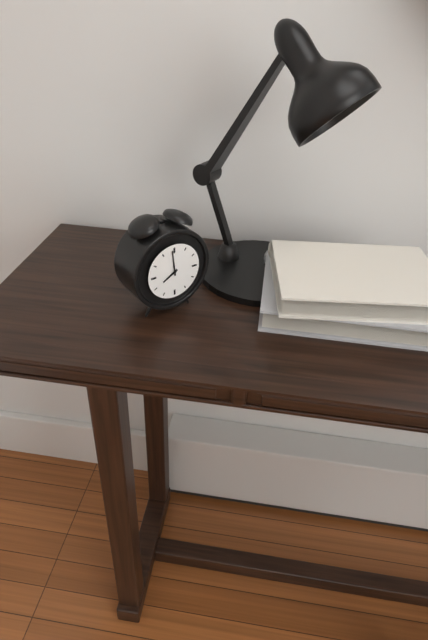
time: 7:59
